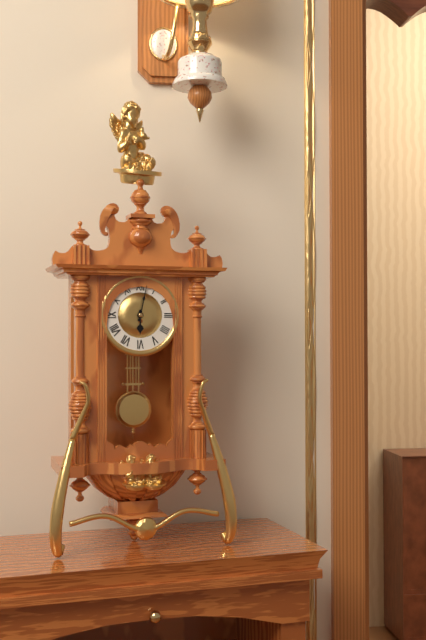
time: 6:02
